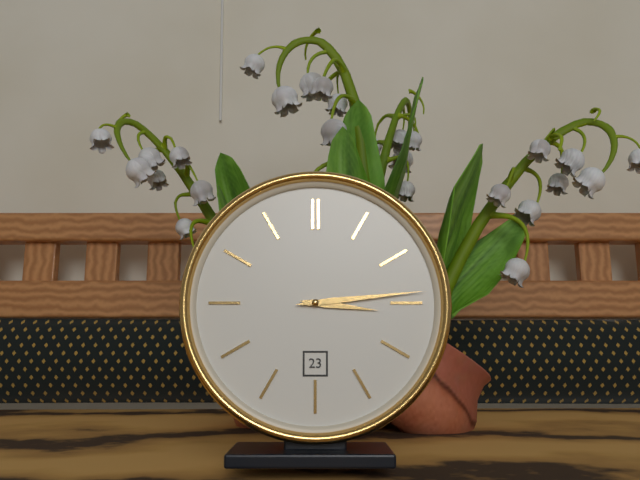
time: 3:14
